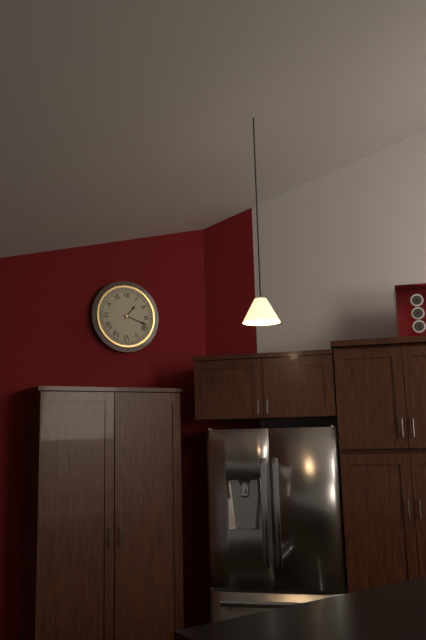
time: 1:18
